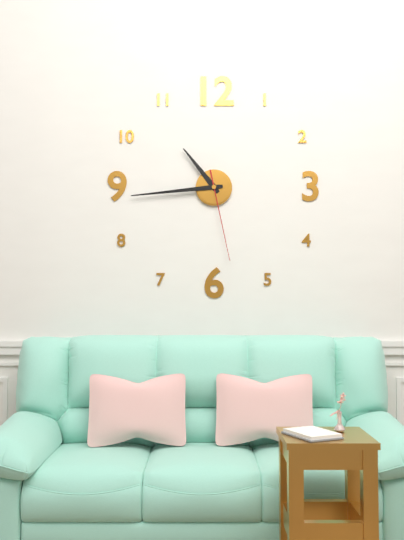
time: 10:44:28
